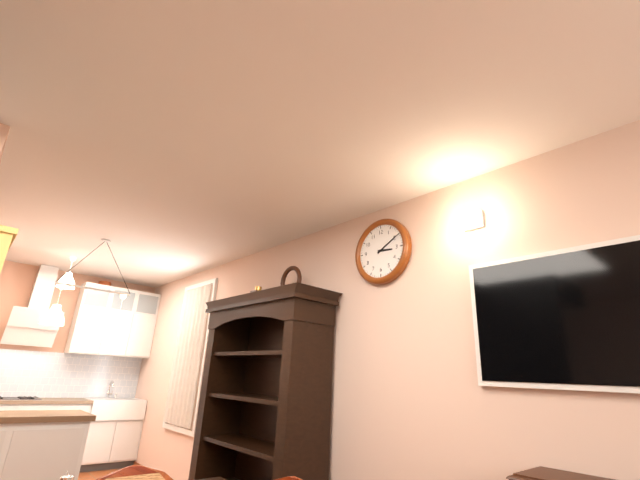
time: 3:10
